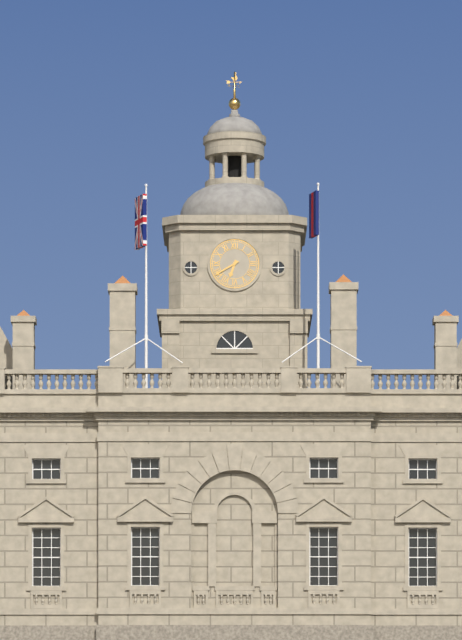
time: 6:40
